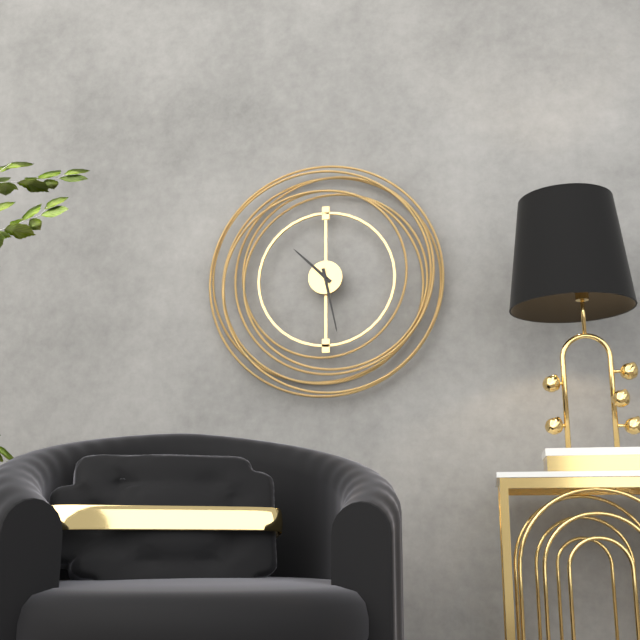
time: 10:28
